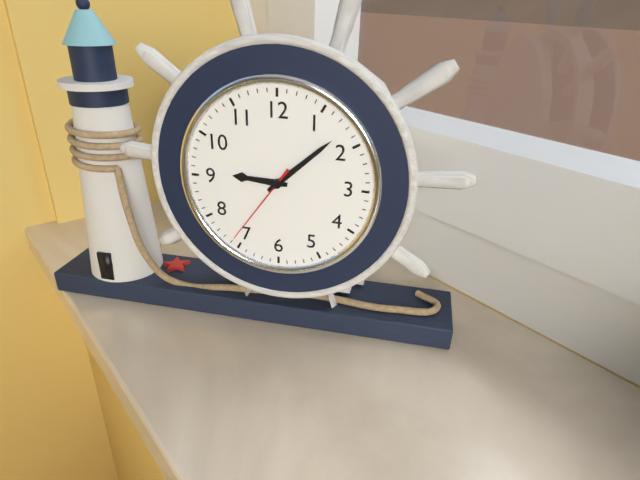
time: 9:08:36
